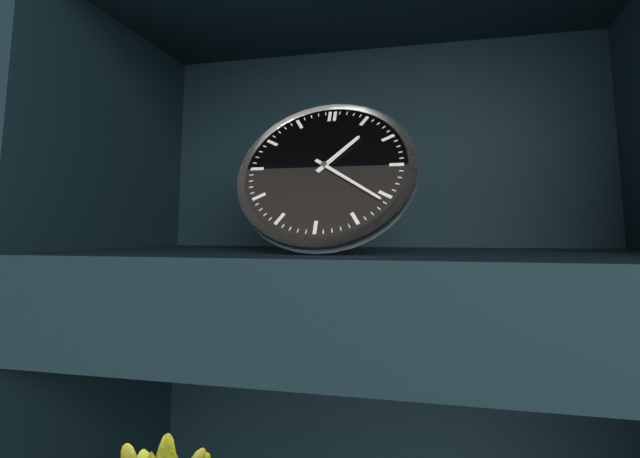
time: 1:21
